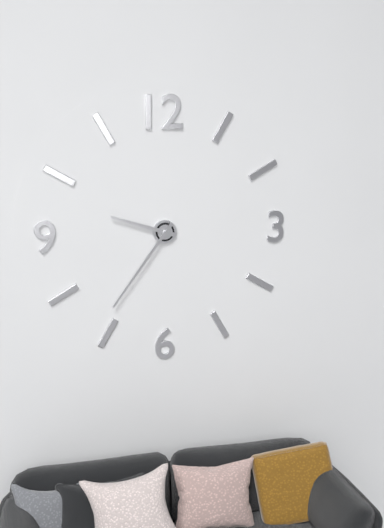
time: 9:36
